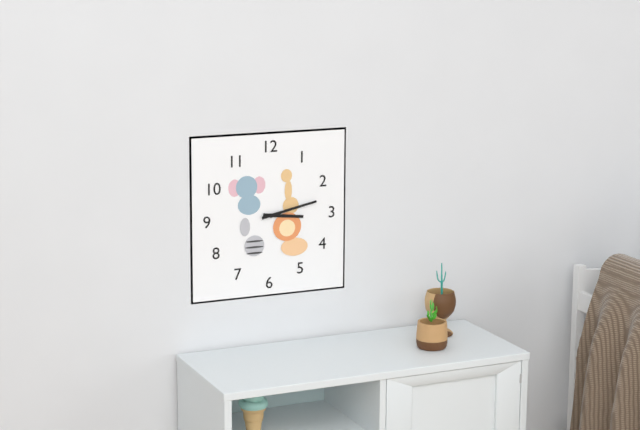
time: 3:13
